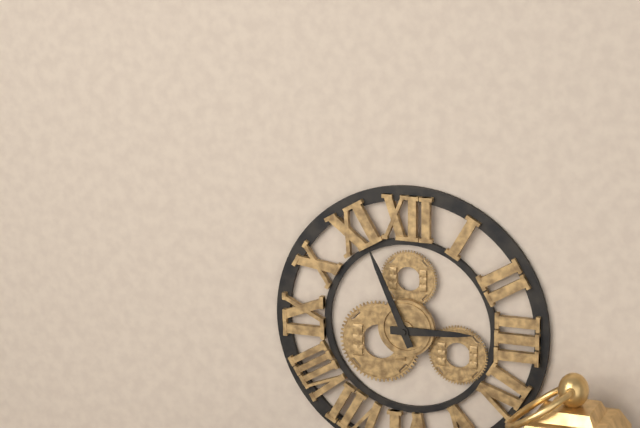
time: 2:56
